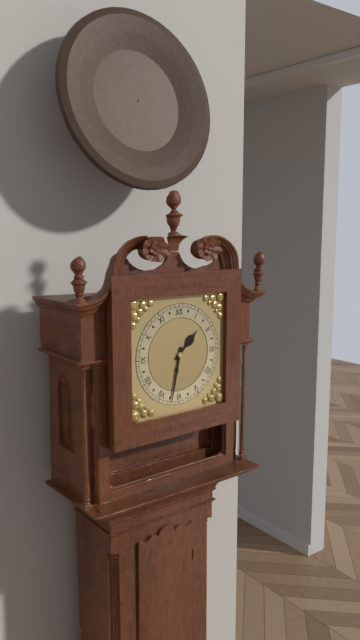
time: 1:32
